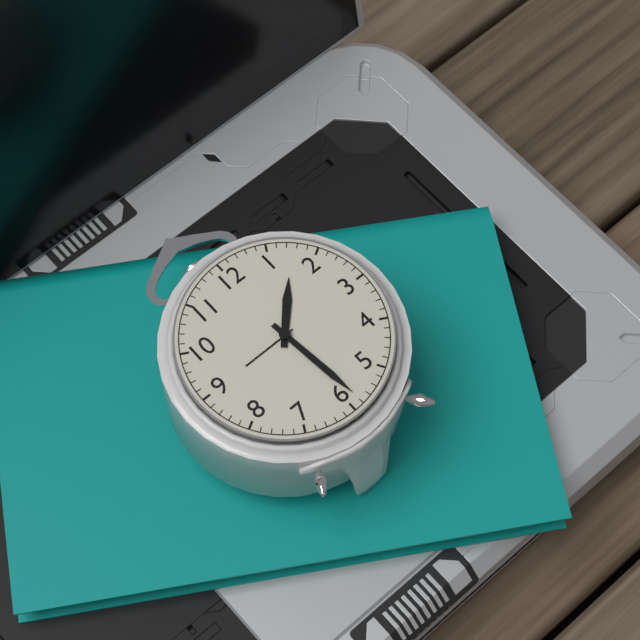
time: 1:29
